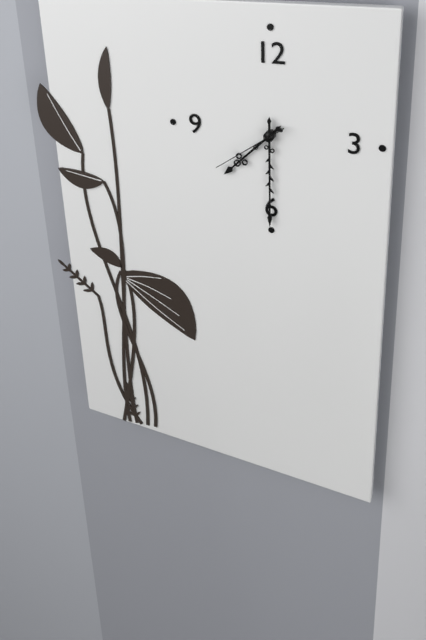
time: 7:30:39
